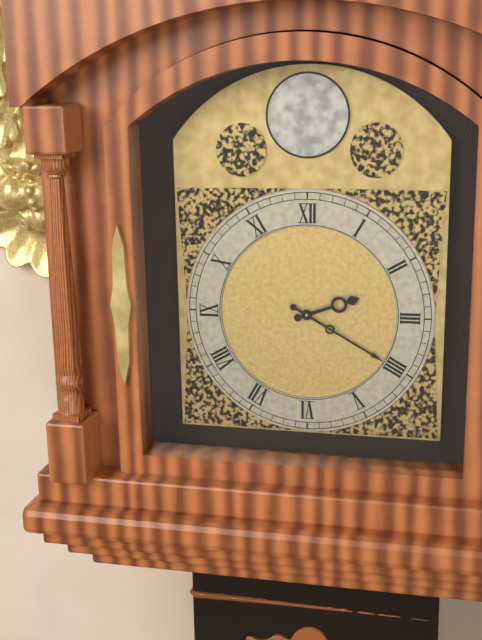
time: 2:20
